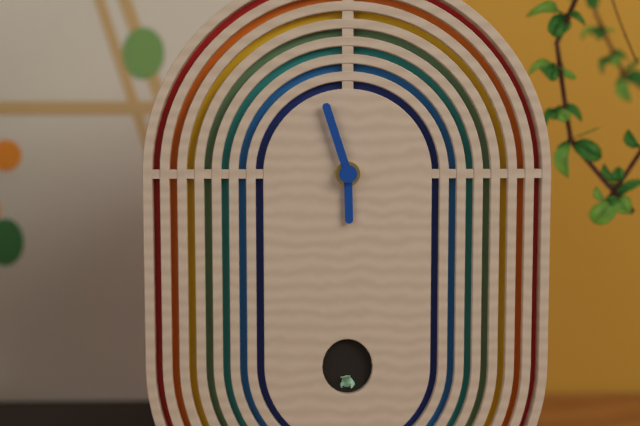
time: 5:57
